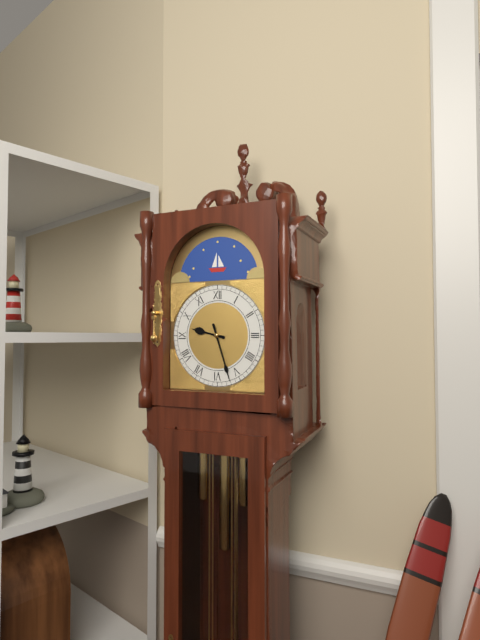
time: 9:27
